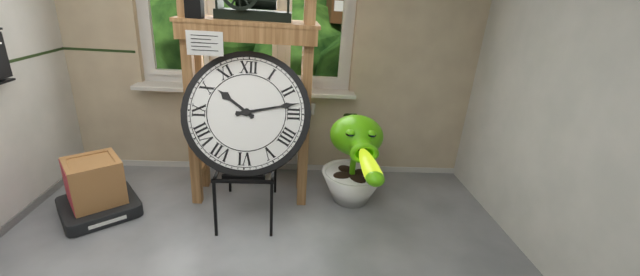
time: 10:13
